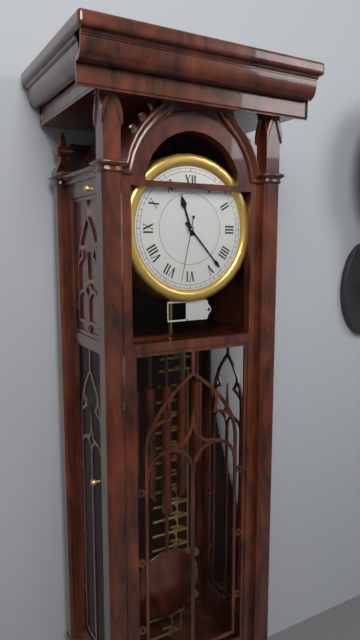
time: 11:23:32
